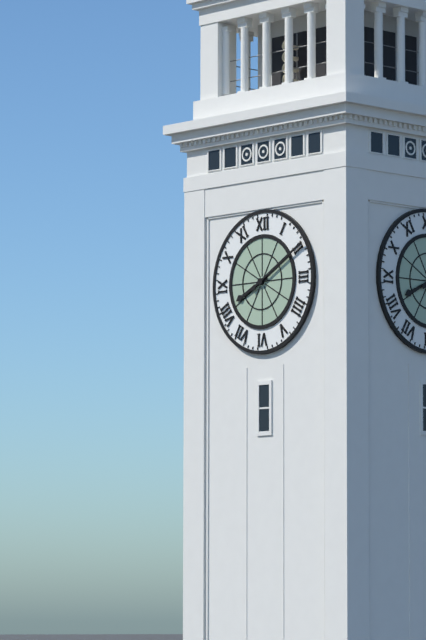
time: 8:10
